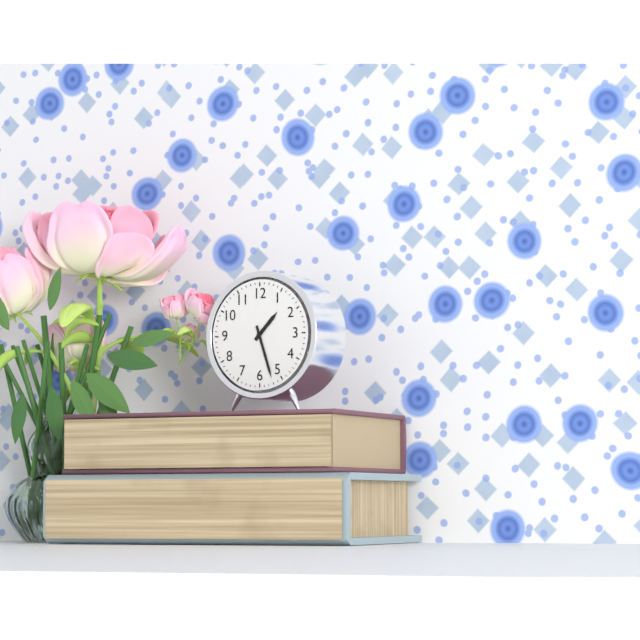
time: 1:27
